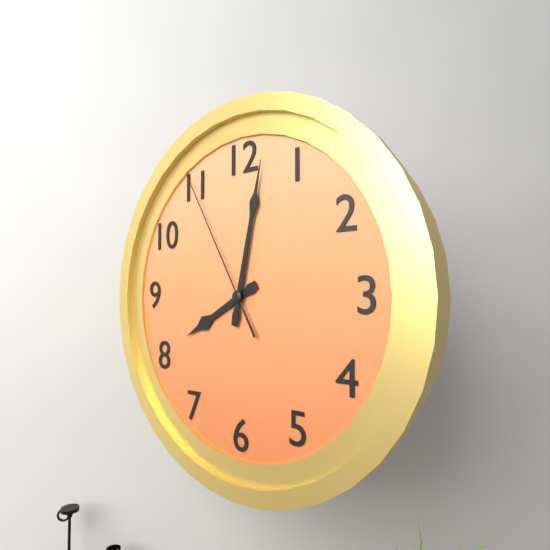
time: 8:02:55
